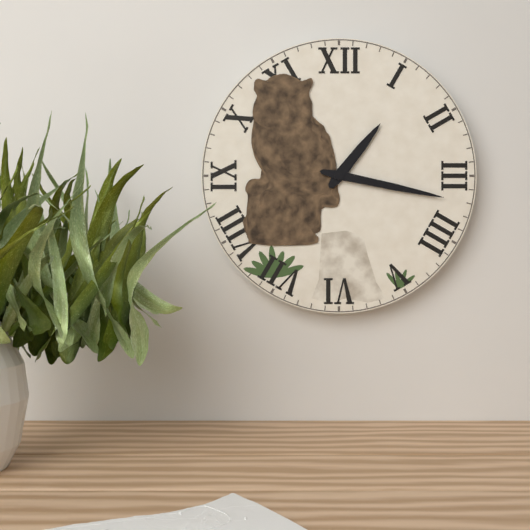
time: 1:17
